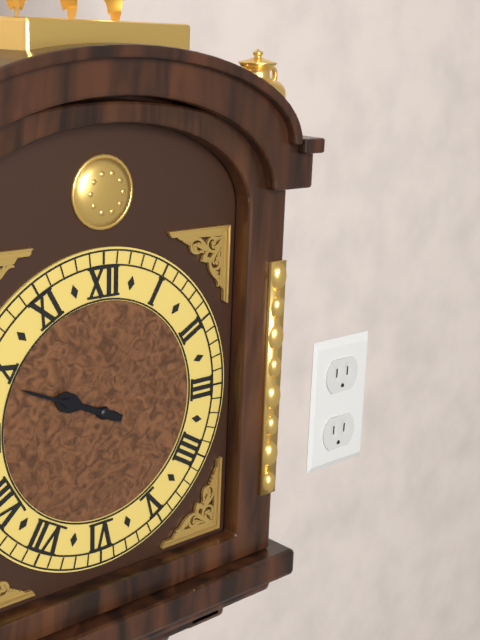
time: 9:49
